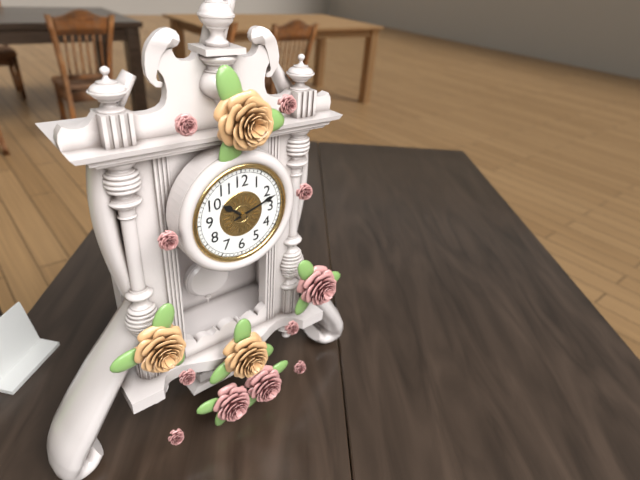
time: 10:12
